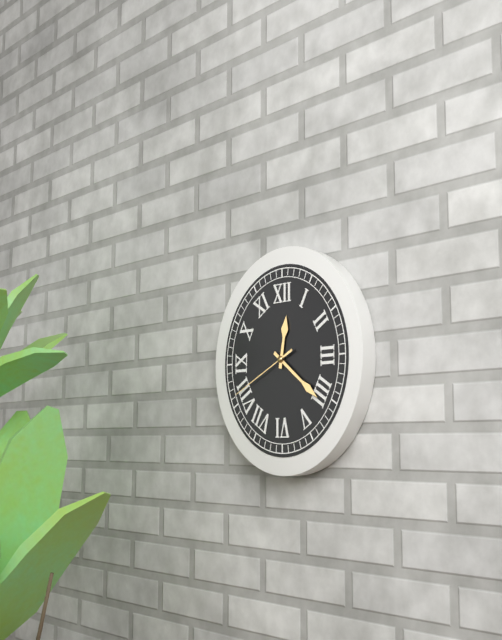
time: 12:21:41
